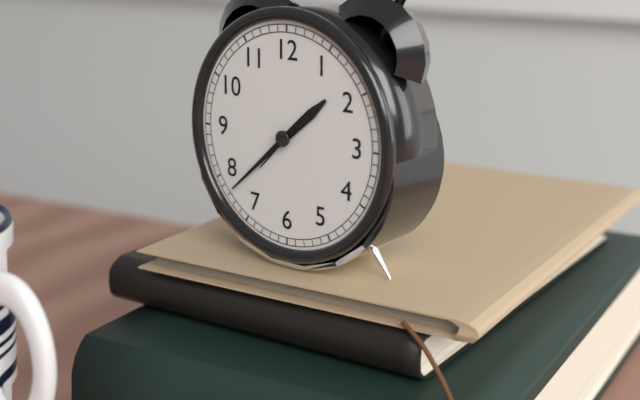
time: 1:38
